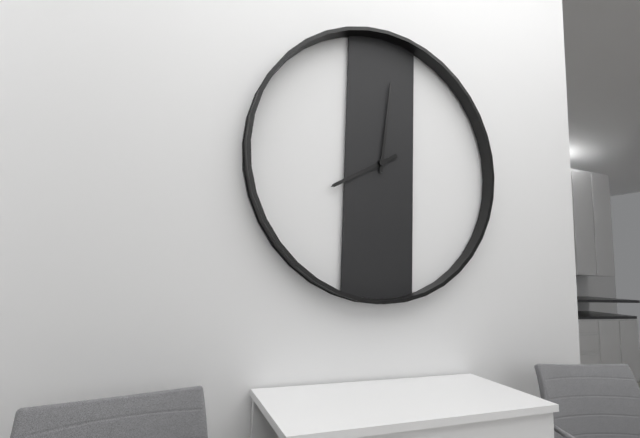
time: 8:01
